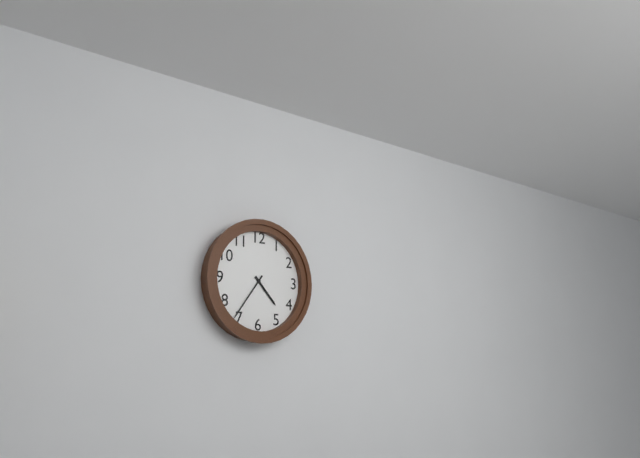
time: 4:36
